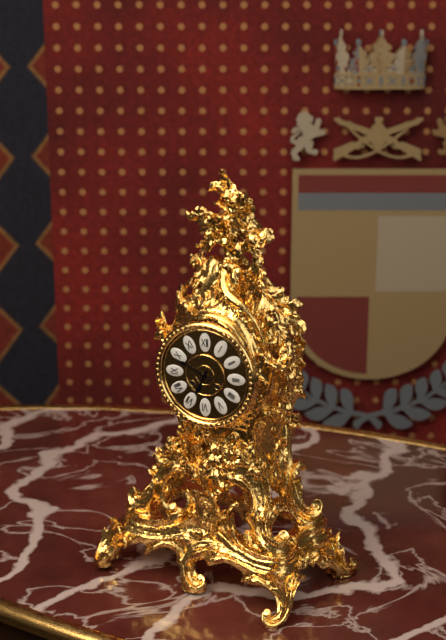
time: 6:49
